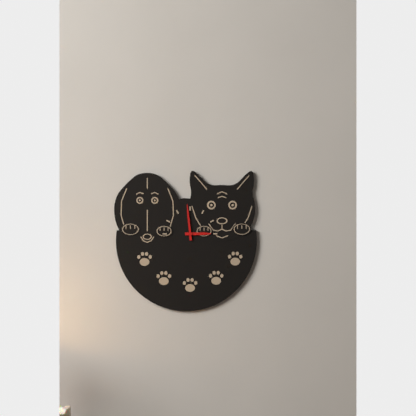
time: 2:59
